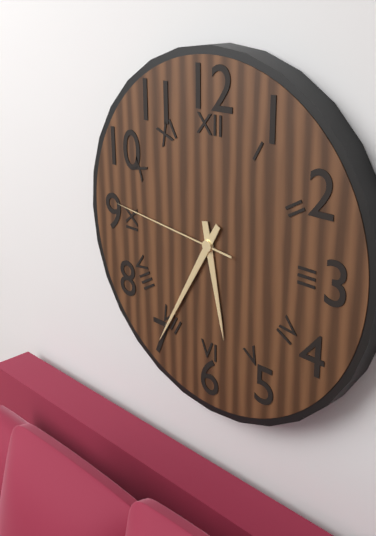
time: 5:35:46
